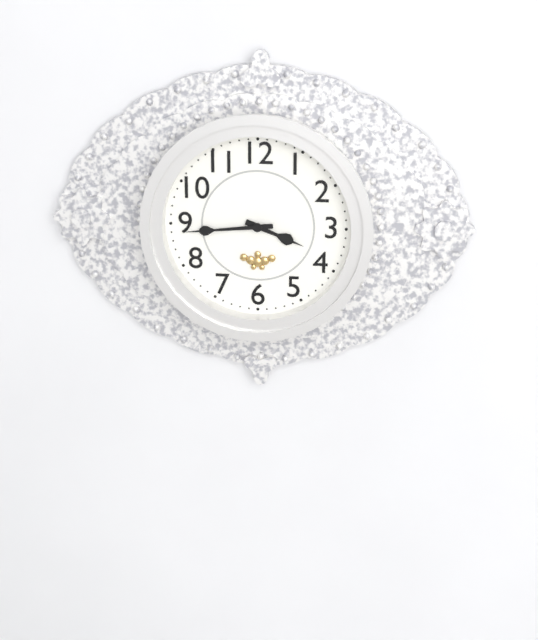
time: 3:44
